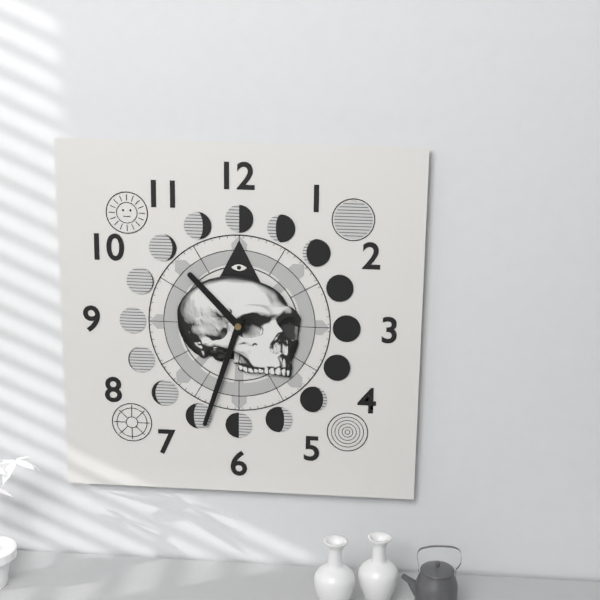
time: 10:33
